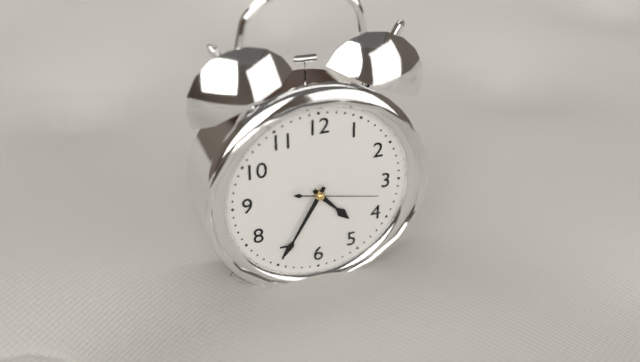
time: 4:35:17
